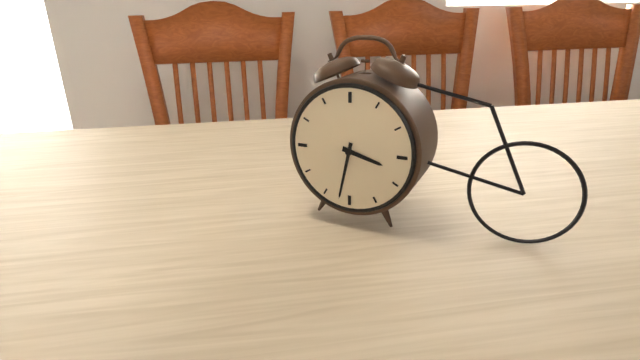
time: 3:32
